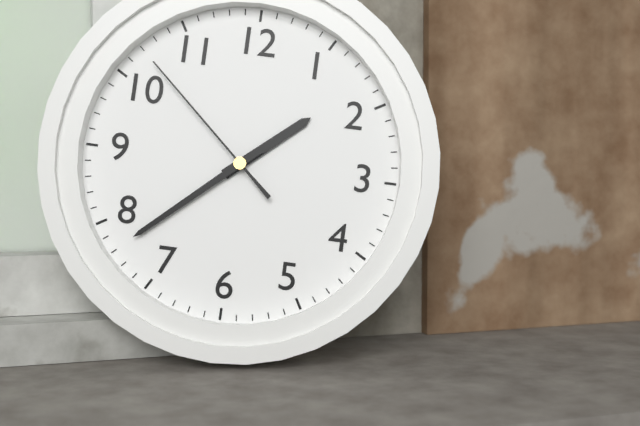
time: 1:38:52
